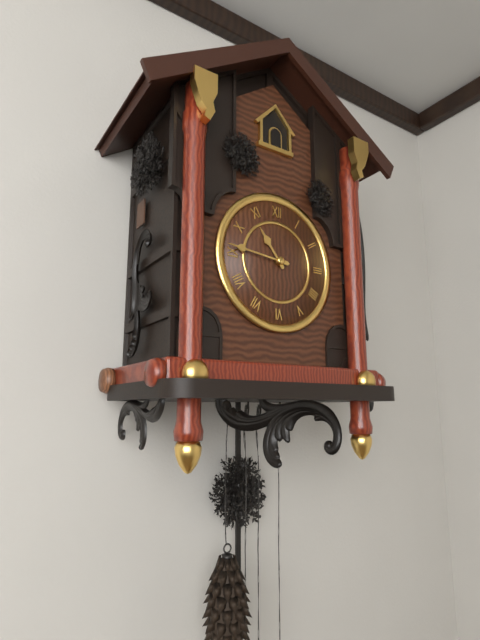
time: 10:46
